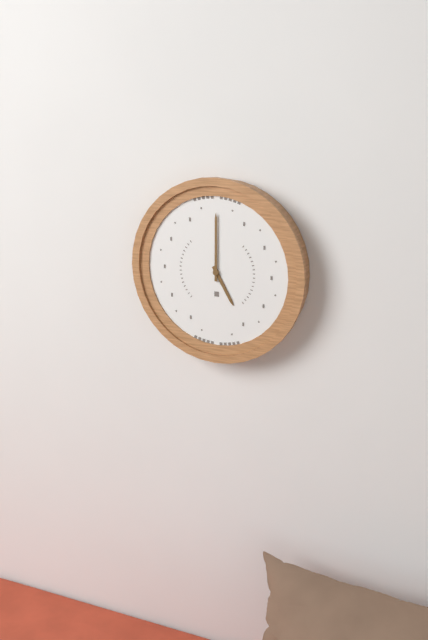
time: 5:00
